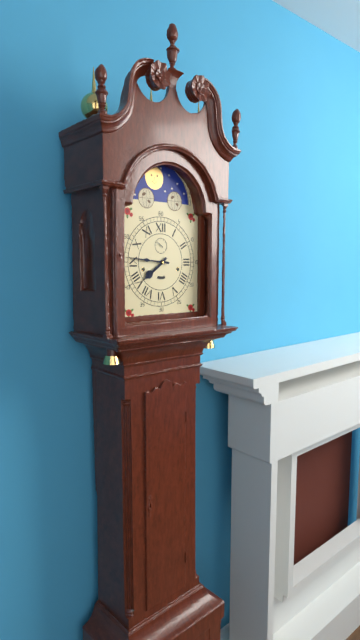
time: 7:46
